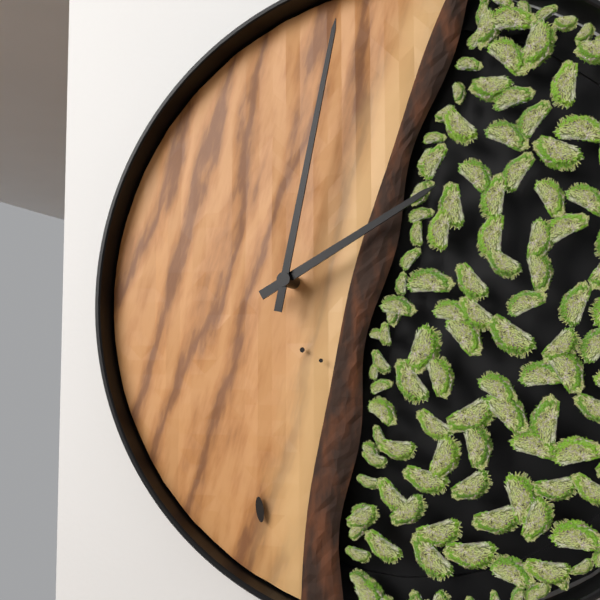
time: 2:02
